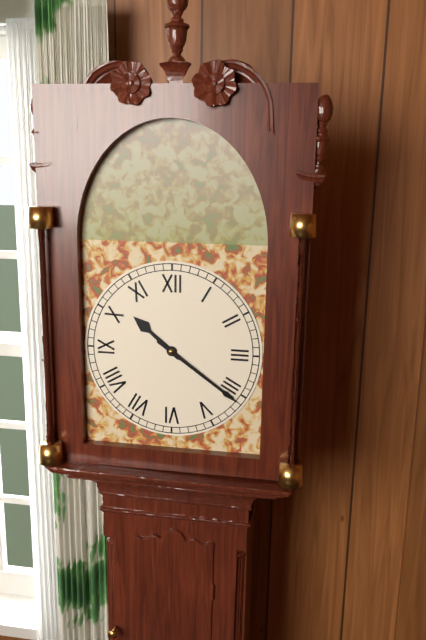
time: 10:21
